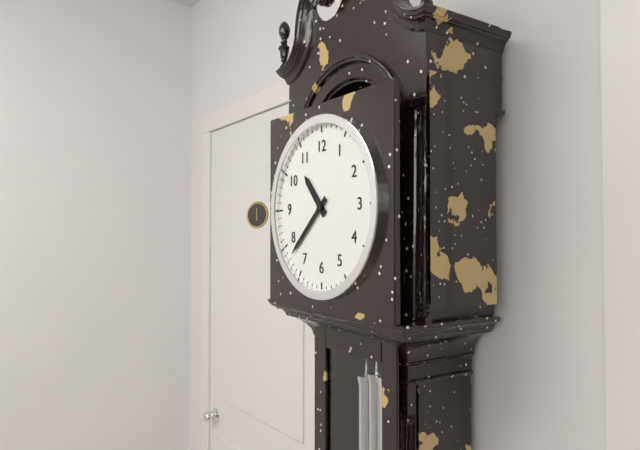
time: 10:38
